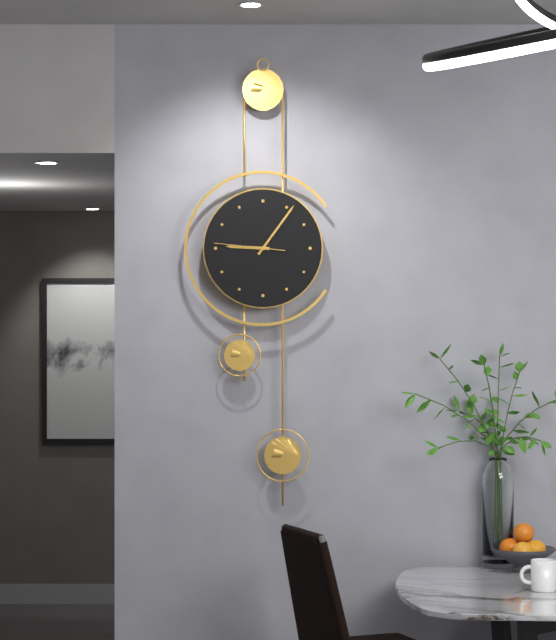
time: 9:06:46
